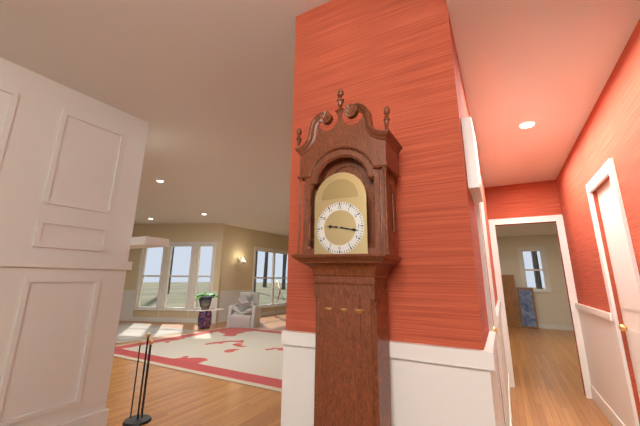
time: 9:17
